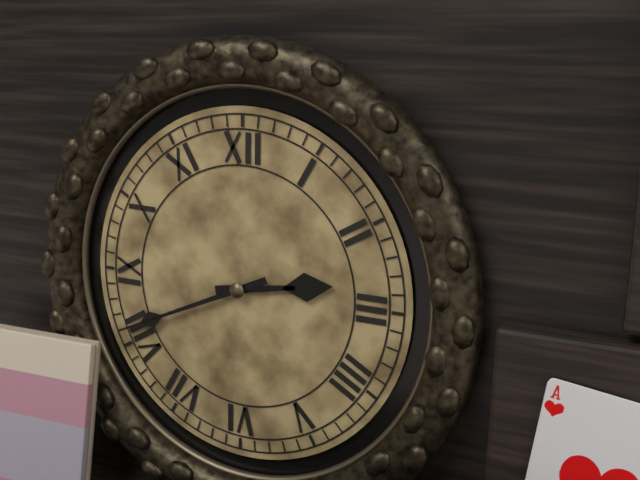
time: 2:41
